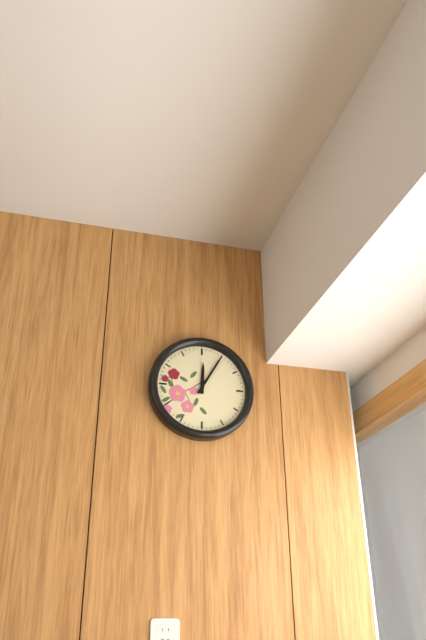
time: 12:05
